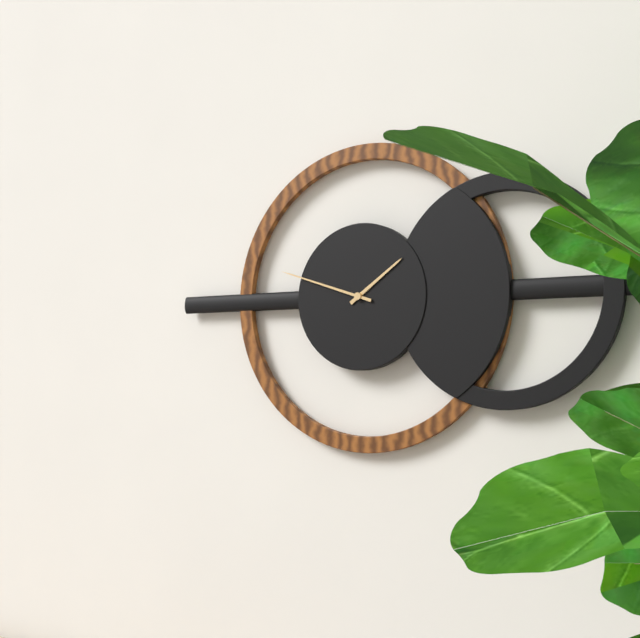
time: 1:48
